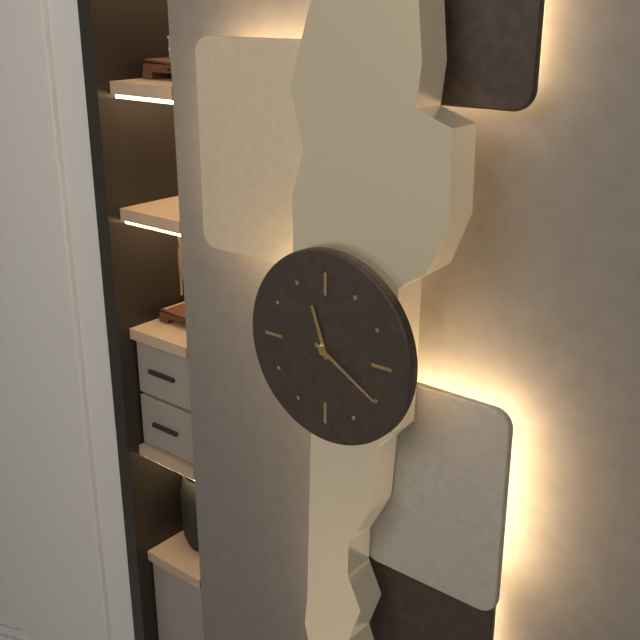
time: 11:20
